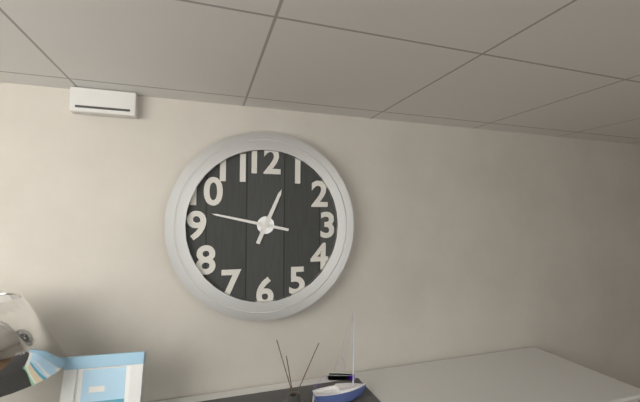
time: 12:47
